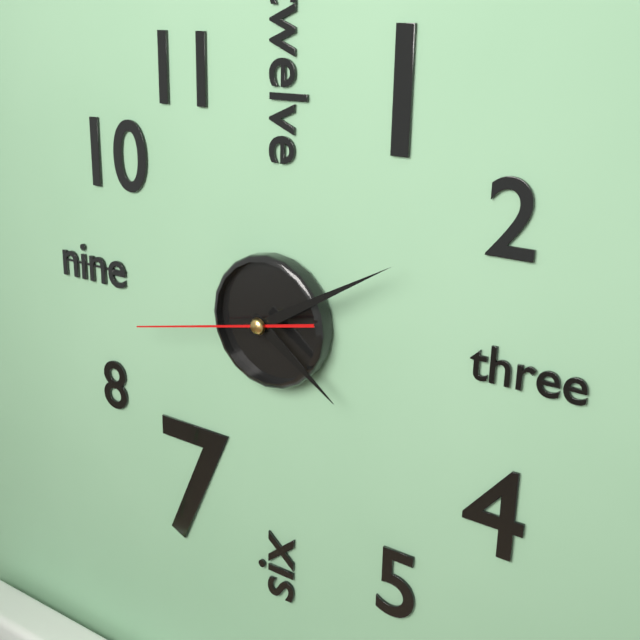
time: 4:10:43
